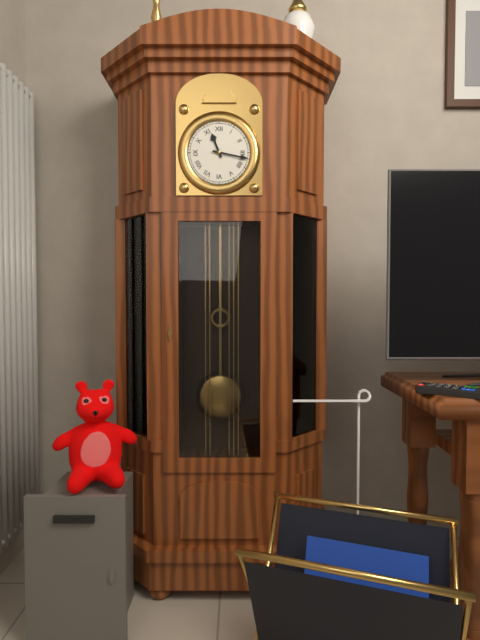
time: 11:17
